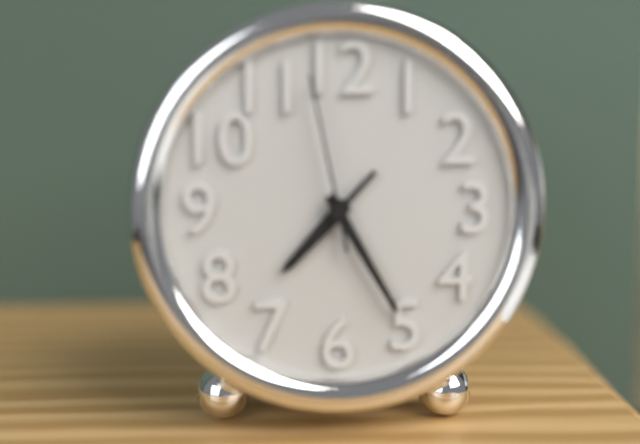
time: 7:25:58
